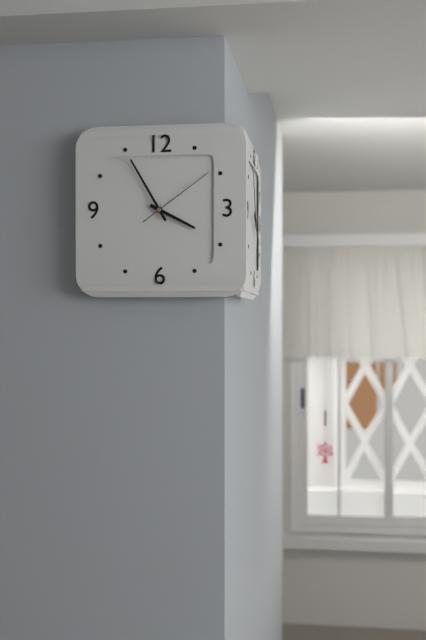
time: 3:55:09
